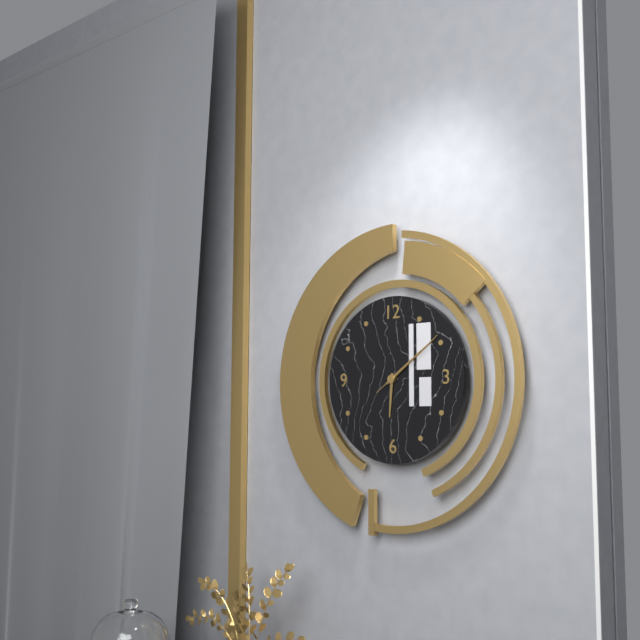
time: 6:09:09
